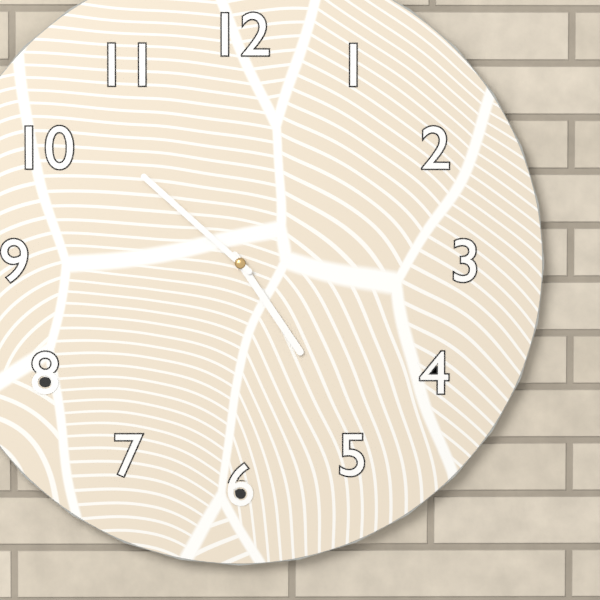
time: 4:52
